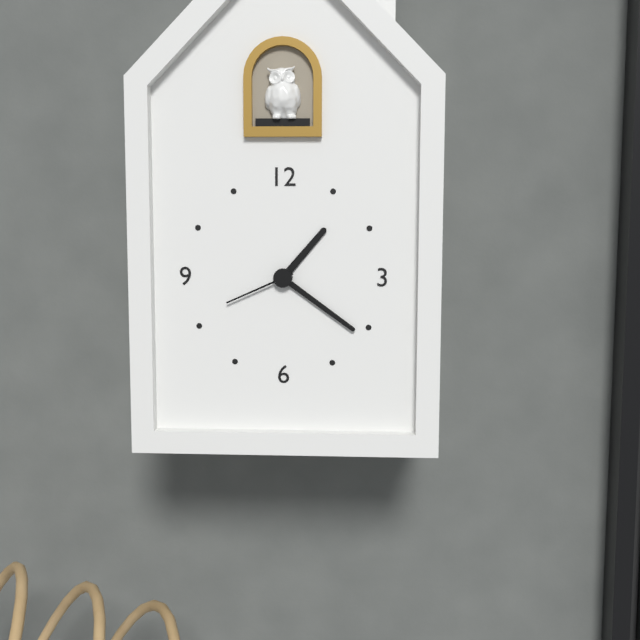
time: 1:21:41
